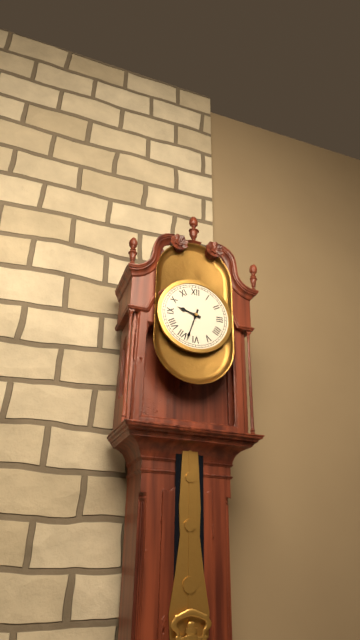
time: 9:33
